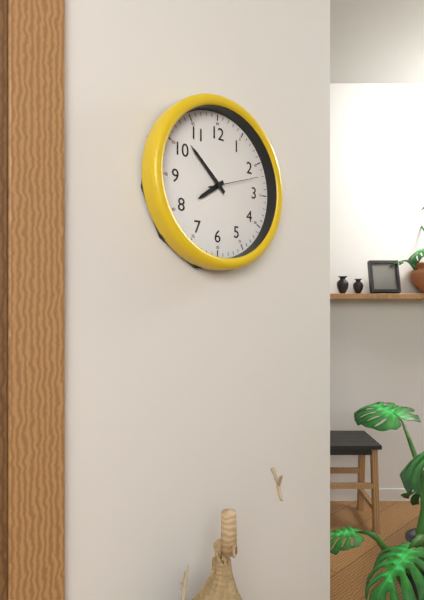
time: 7:52
